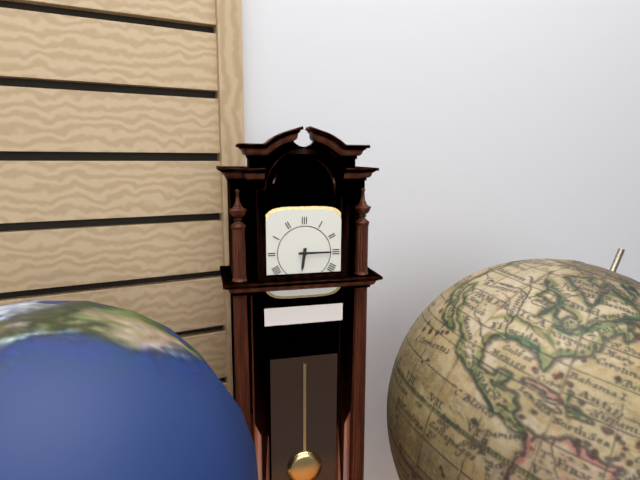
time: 6:15
